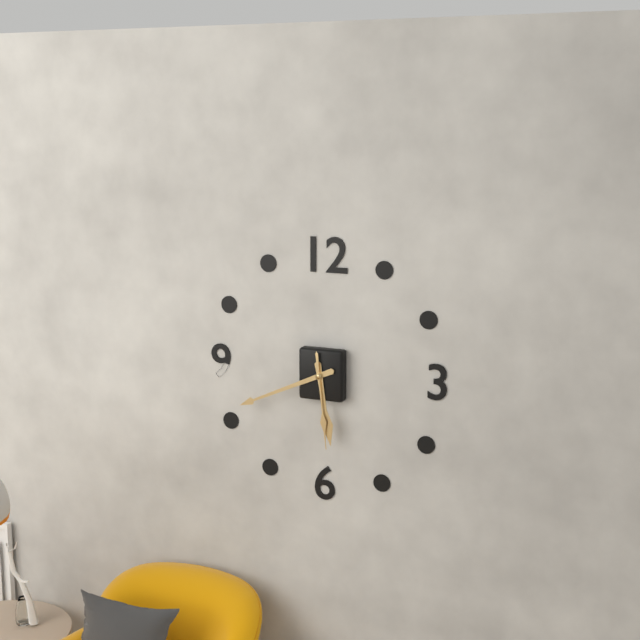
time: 5:41:29
